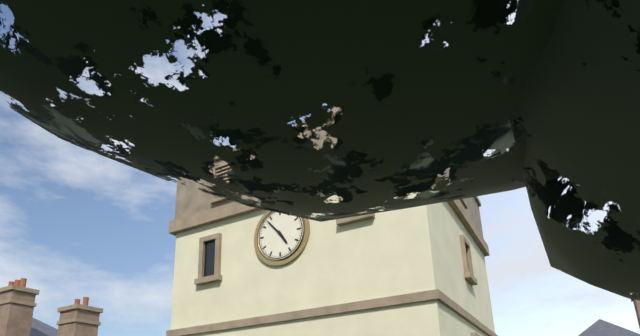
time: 4:53
